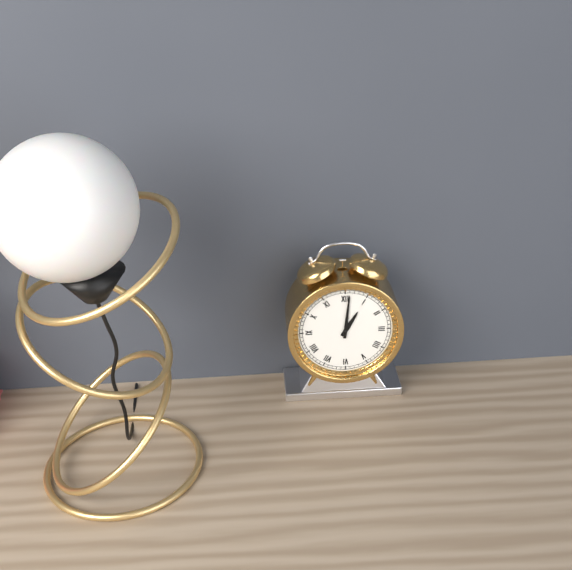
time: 1:01
